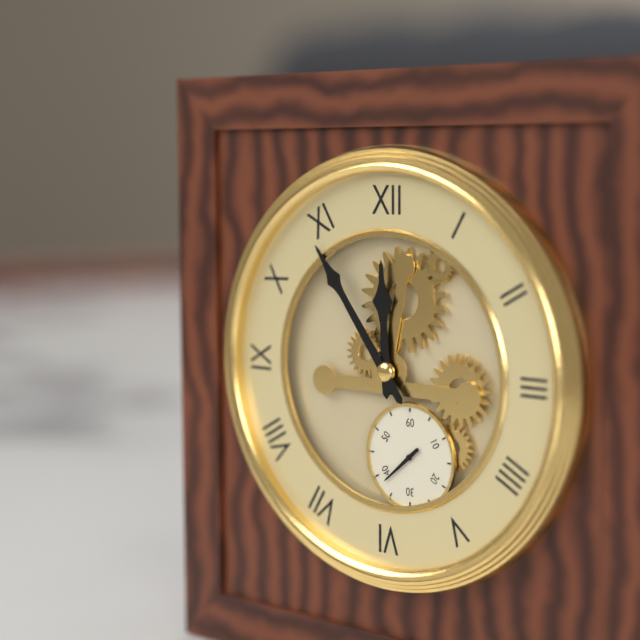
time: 11:54
